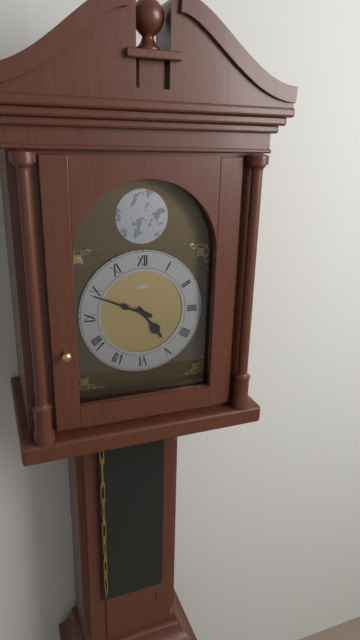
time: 4:49
